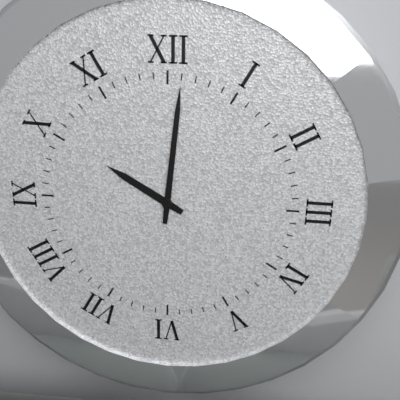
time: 10:01
